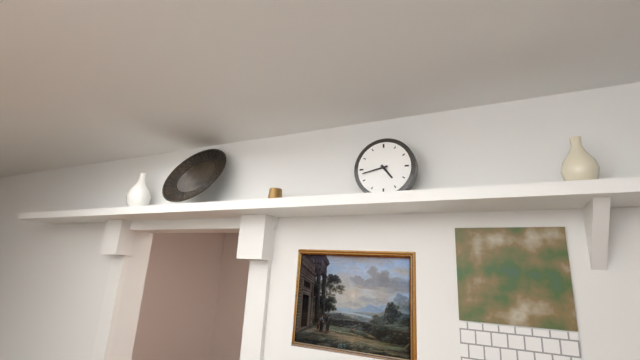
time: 4:43
